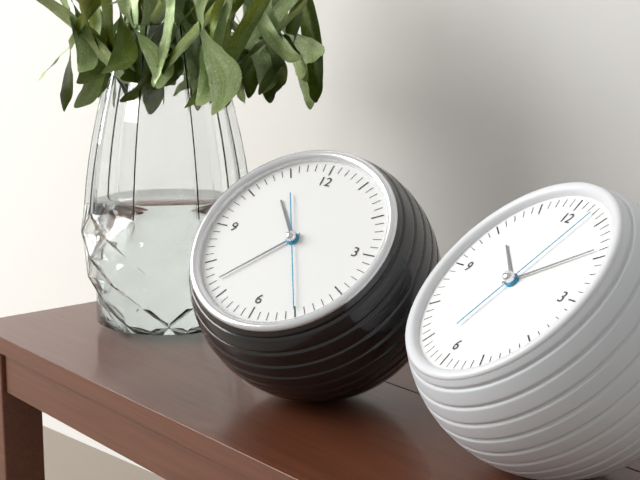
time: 10:37:25
